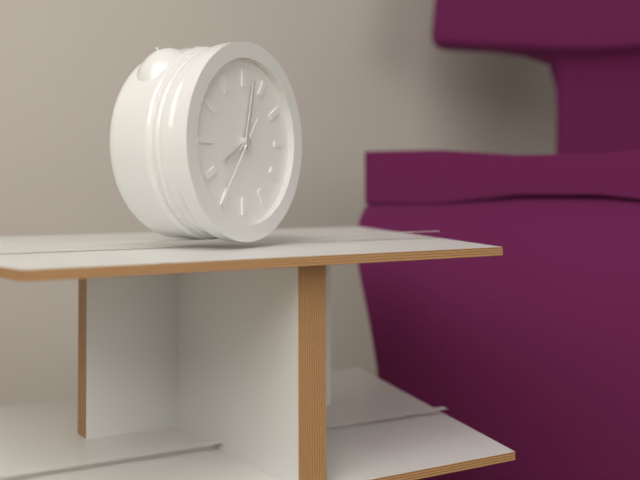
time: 8:02:36
